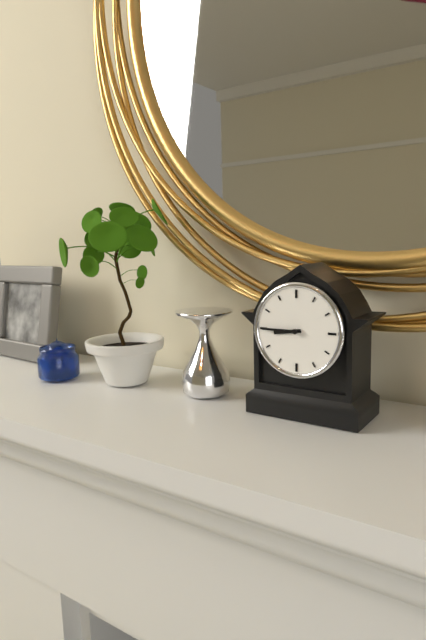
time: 8:45
